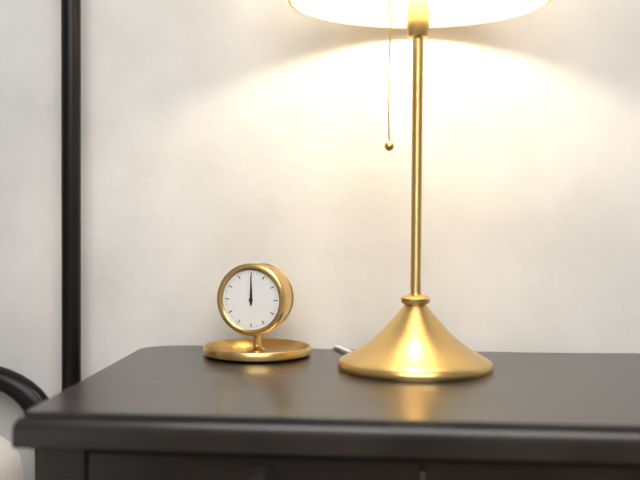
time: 12:00
